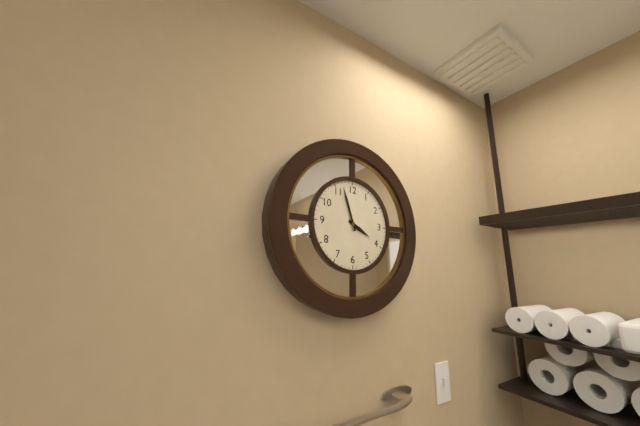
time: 3:57
